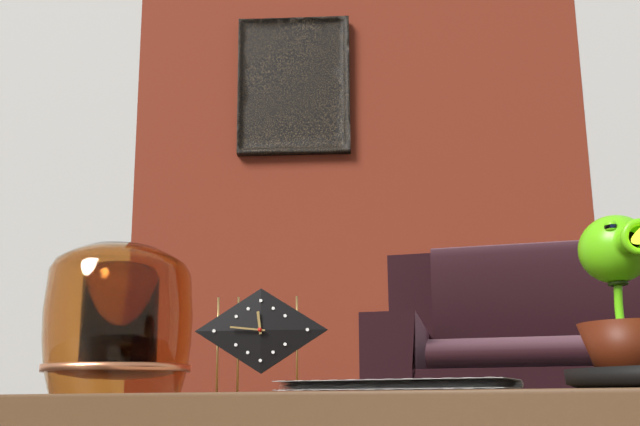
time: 11:46
